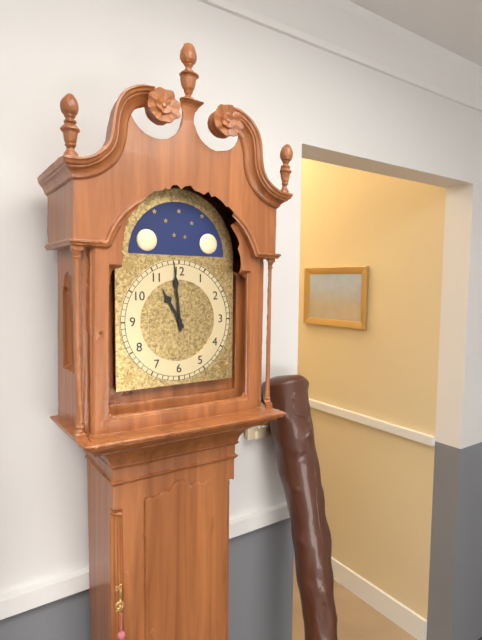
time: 10:59
